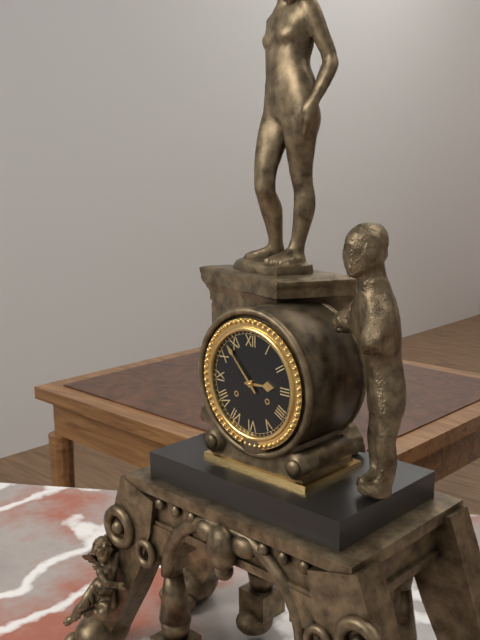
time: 2:53
